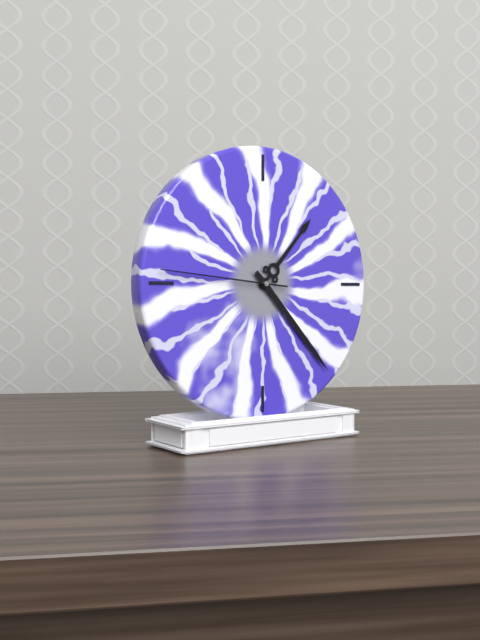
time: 1:23:46
